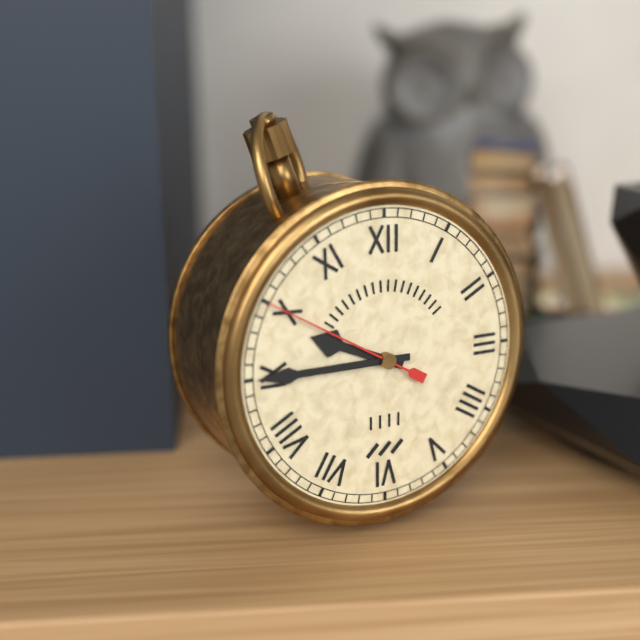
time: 9:45:50
